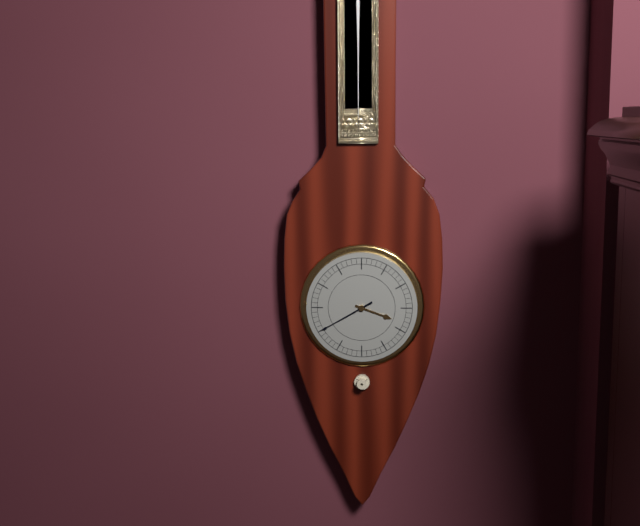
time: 3:40
